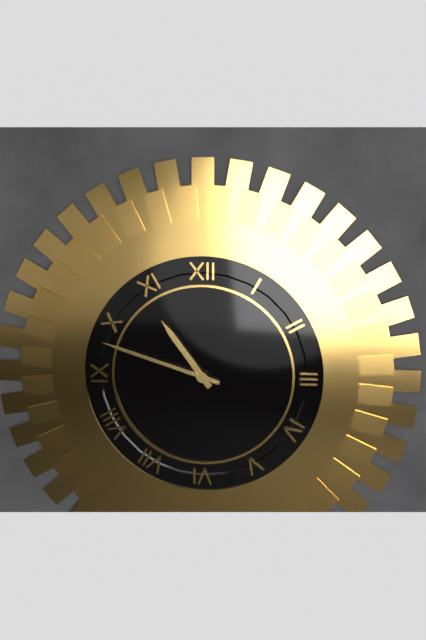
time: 10:48
